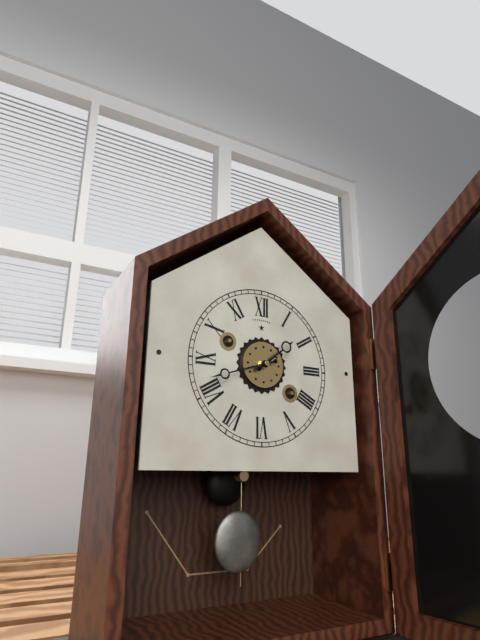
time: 1:42
